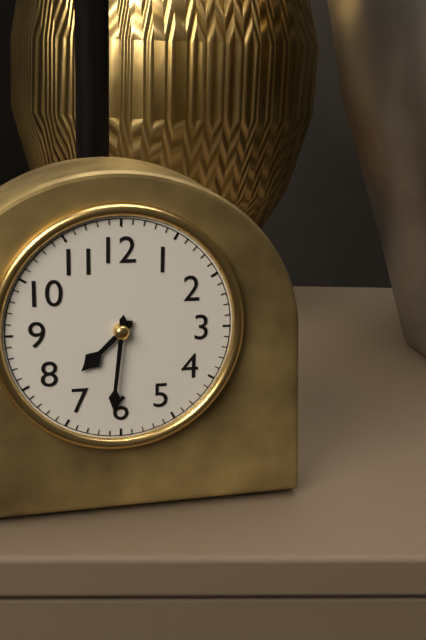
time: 7:31
